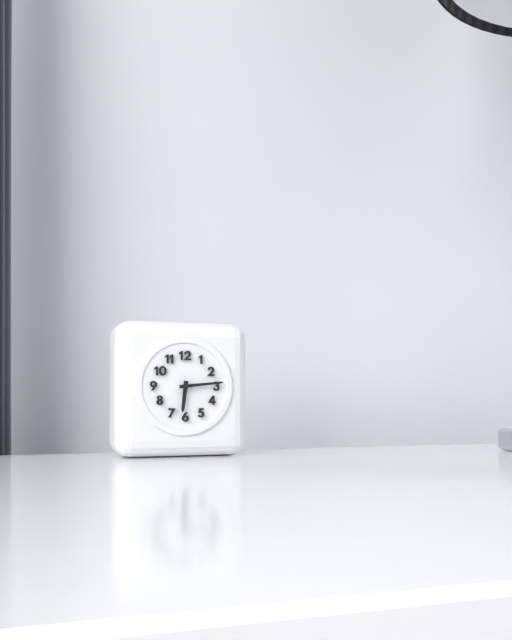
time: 6:14
